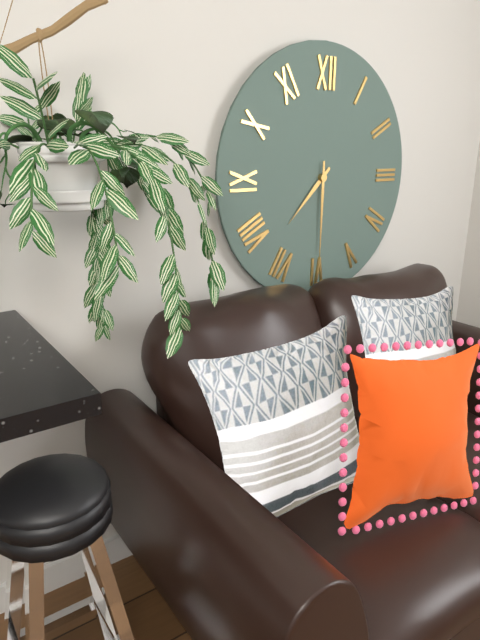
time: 7:30
